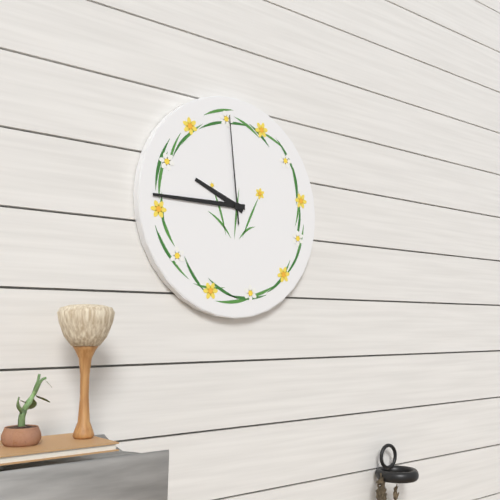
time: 9:45:59
